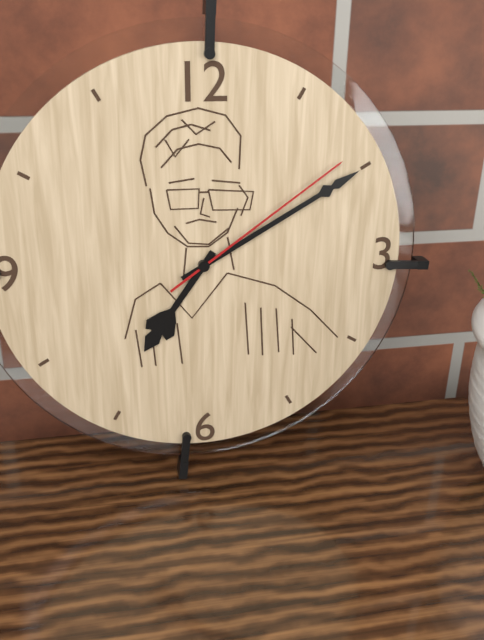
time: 7:10:09
